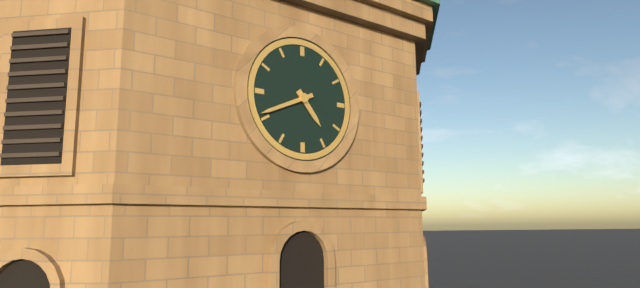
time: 4:41
